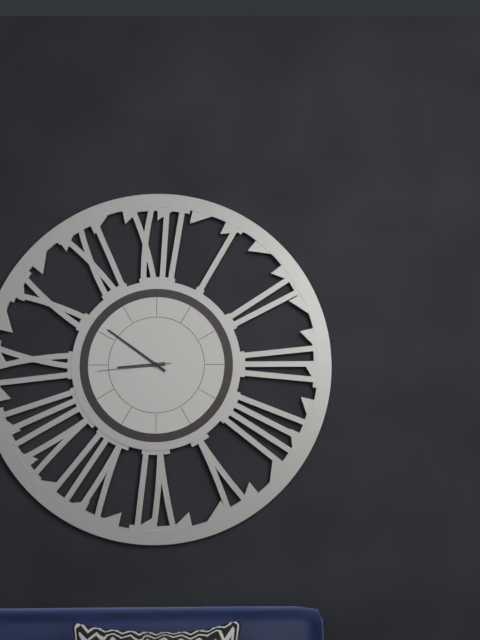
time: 8:51:44
